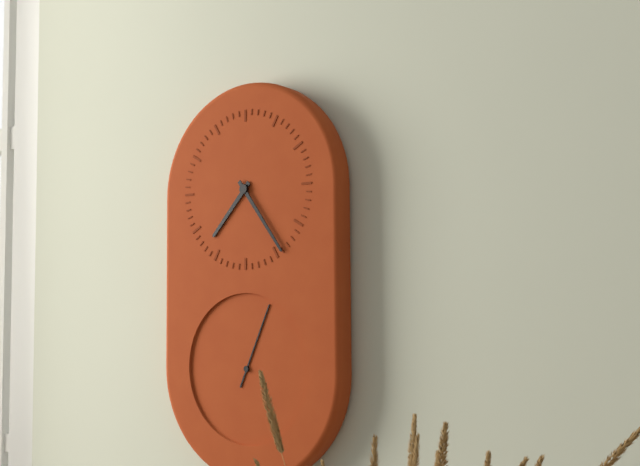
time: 7:24:04
